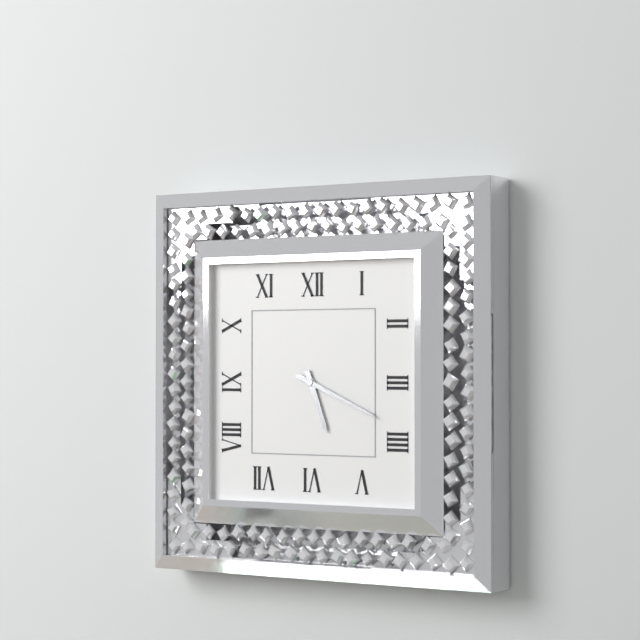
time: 5:19
